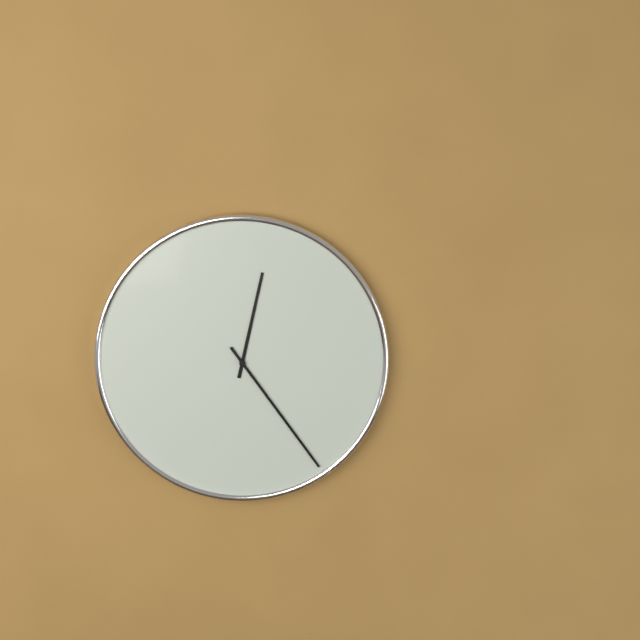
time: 12:24
